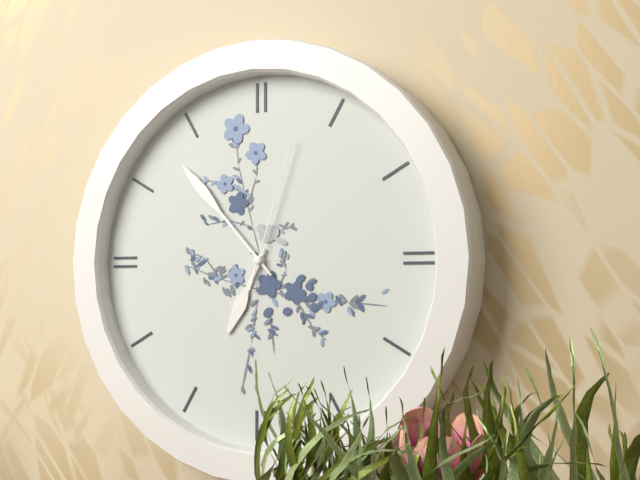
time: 6:53:03
